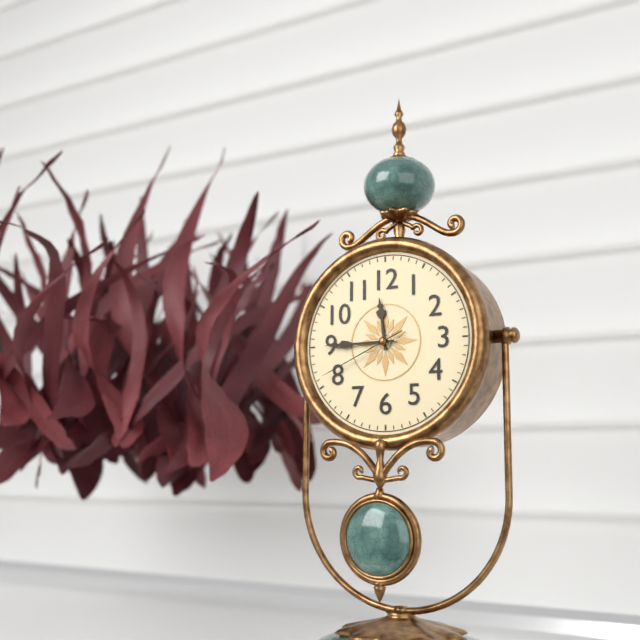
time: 11:45:41
